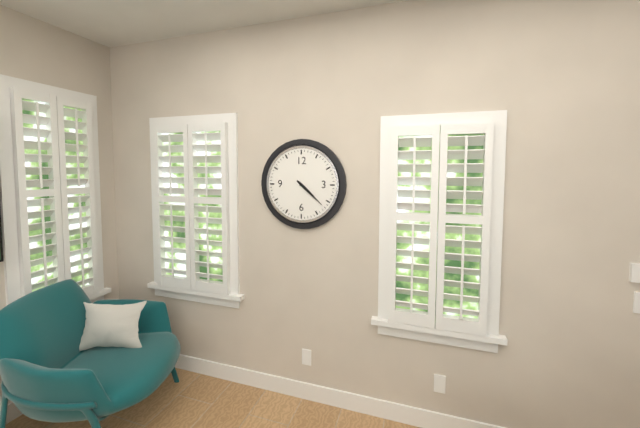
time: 4:22
